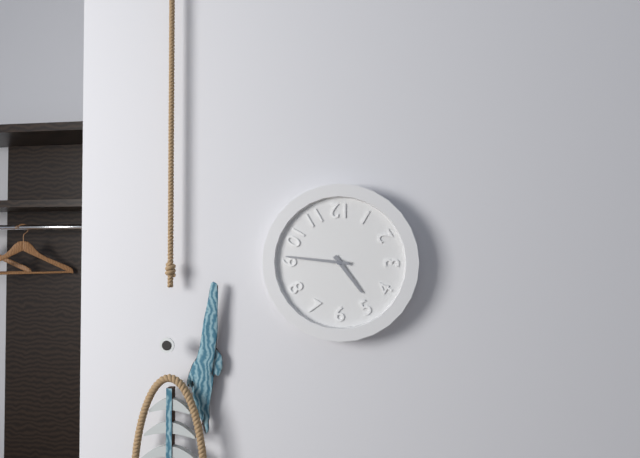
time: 4:46
